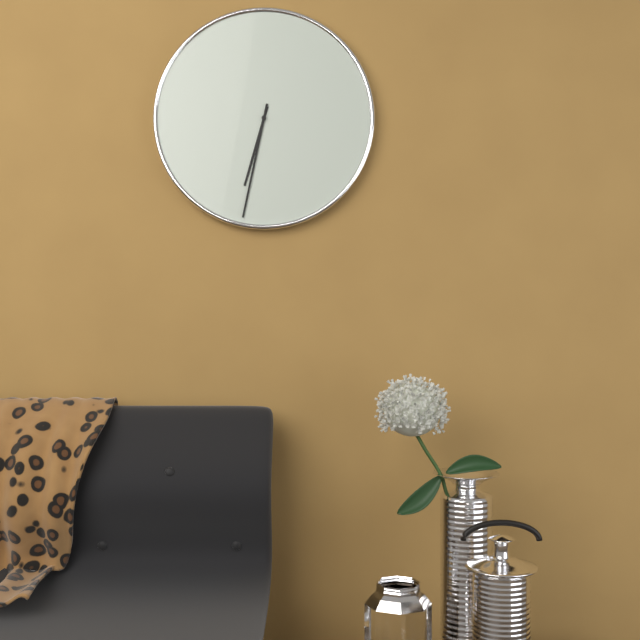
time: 6:32
